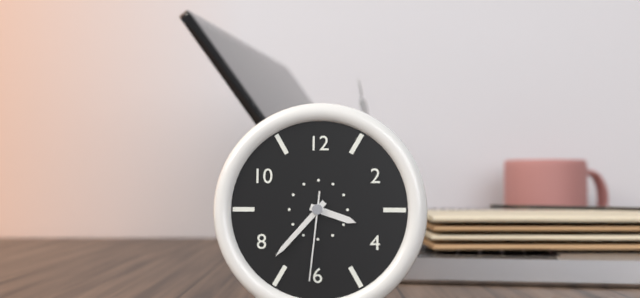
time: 3:37:31
